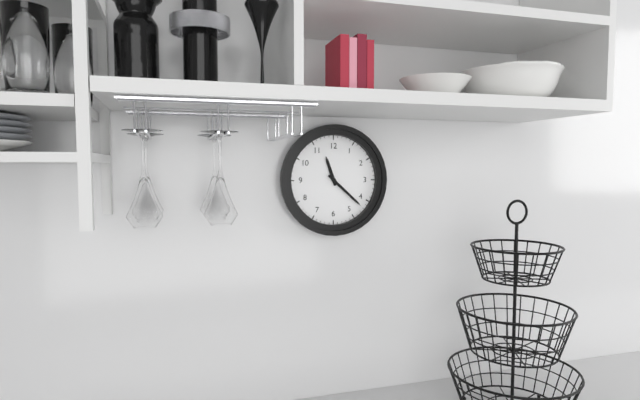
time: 11:22
